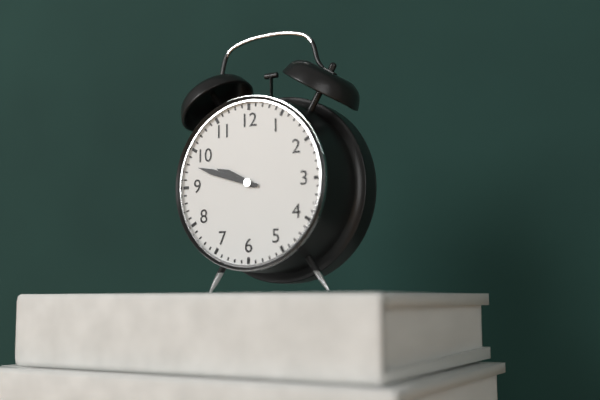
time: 9:48
